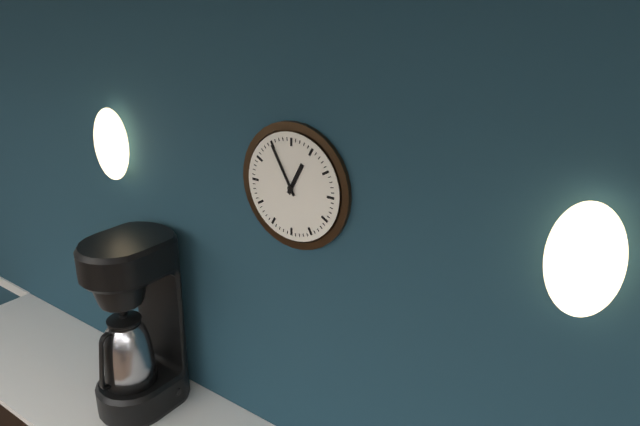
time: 12:55
